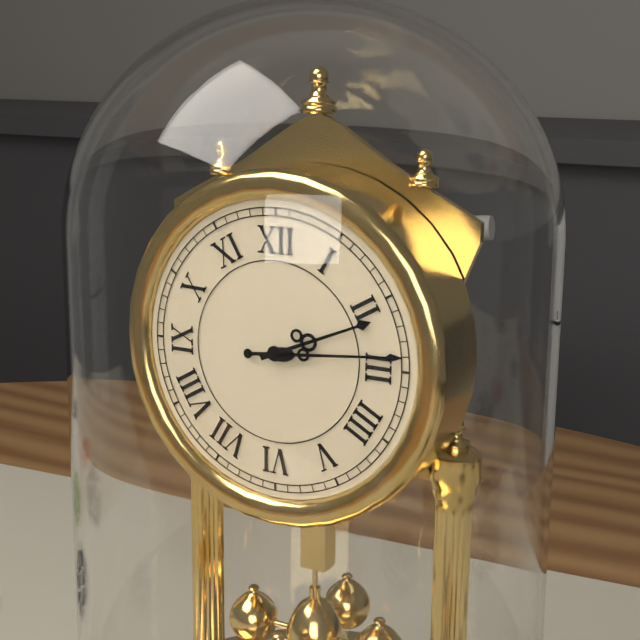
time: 2:14
